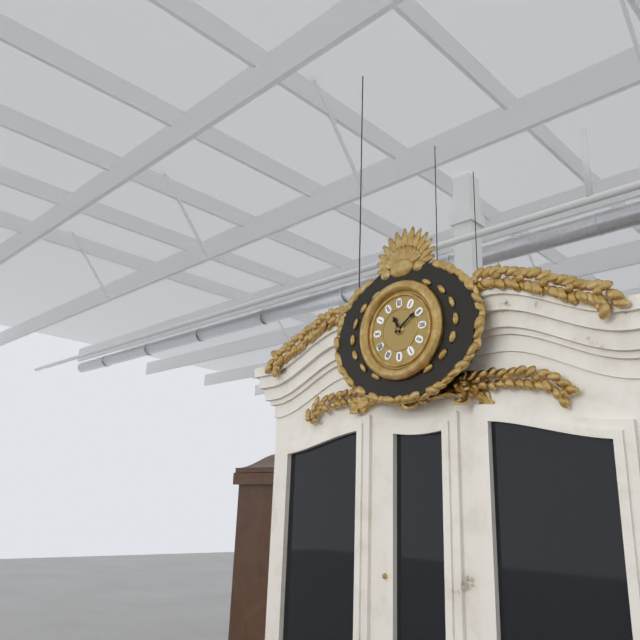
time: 11:09
